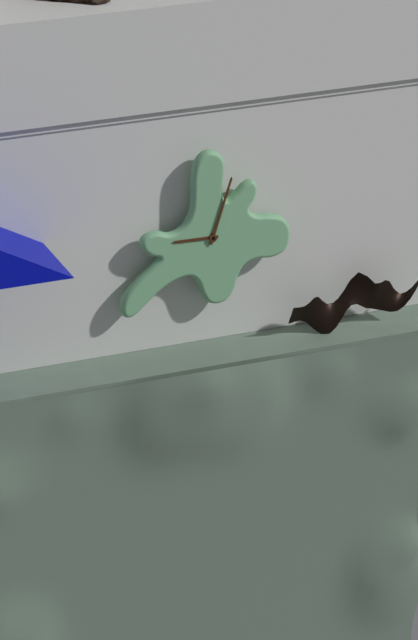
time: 9:03
